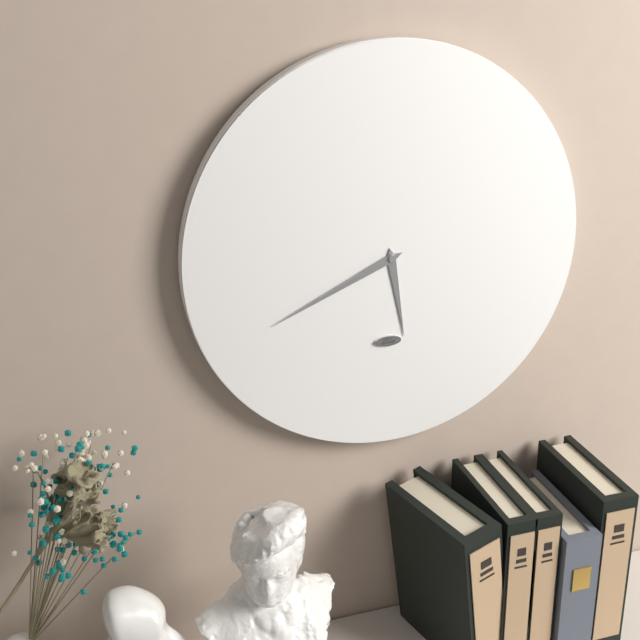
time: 5:41
